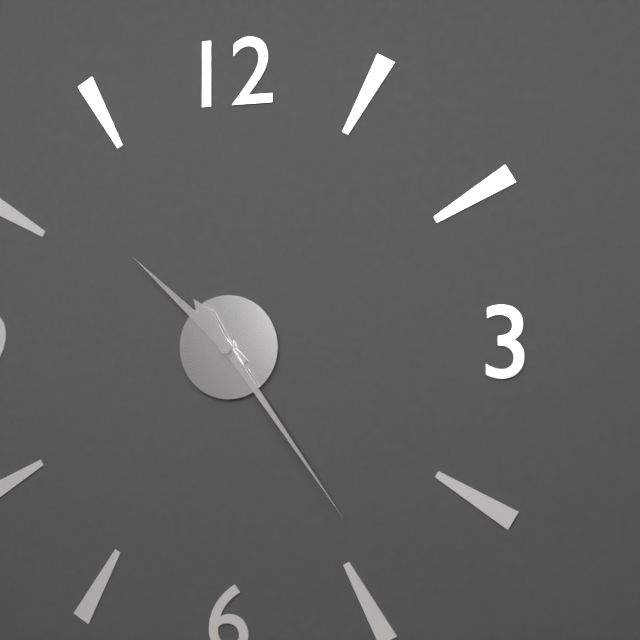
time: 10:24
